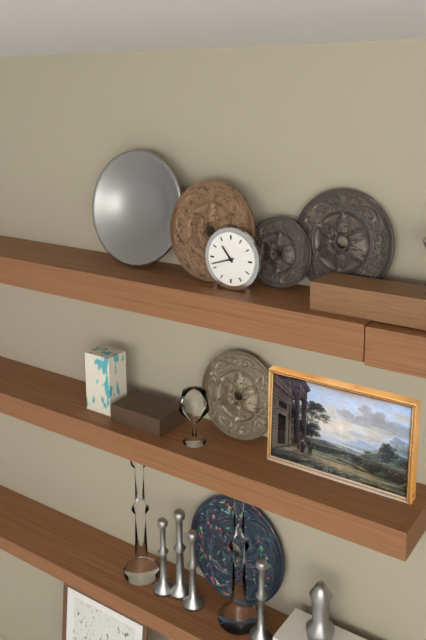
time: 10:42
